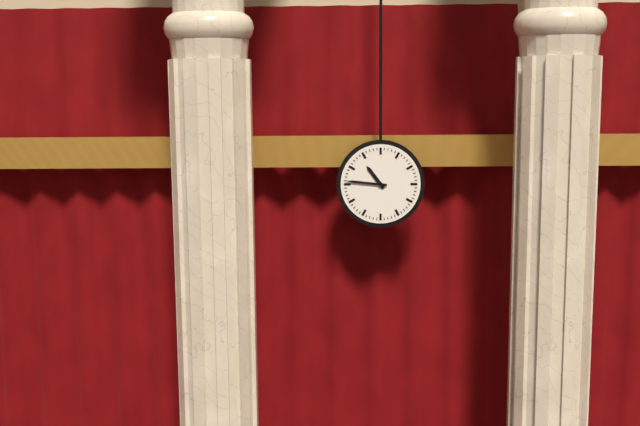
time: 10:46
